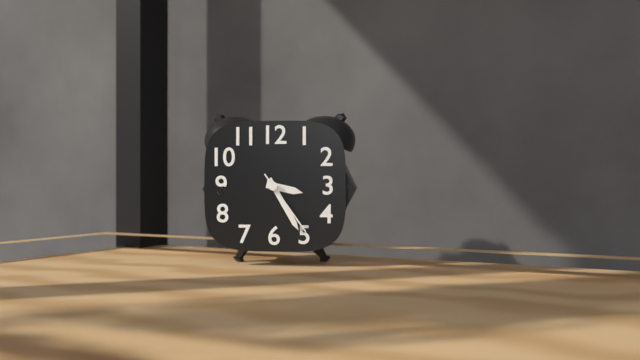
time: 3:25:24
